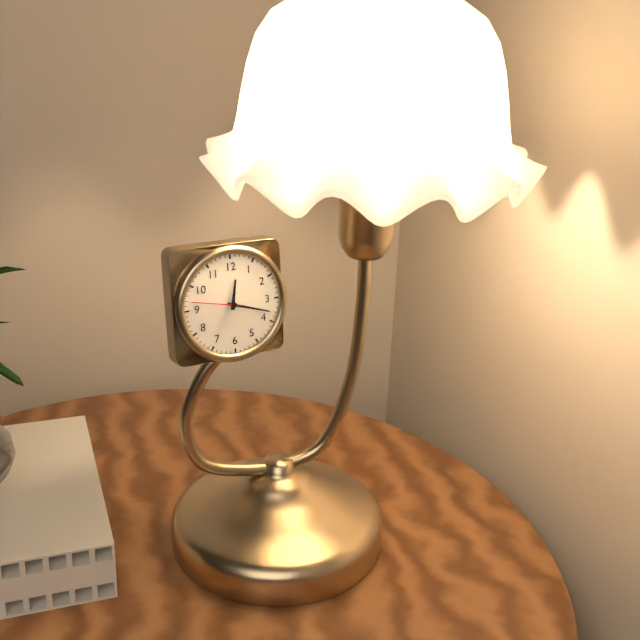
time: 12:18:47
